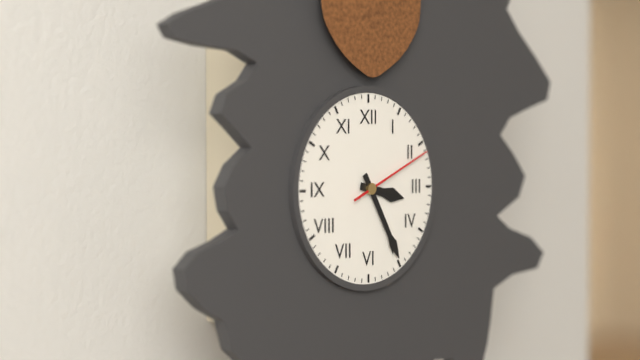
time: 3:25:11
